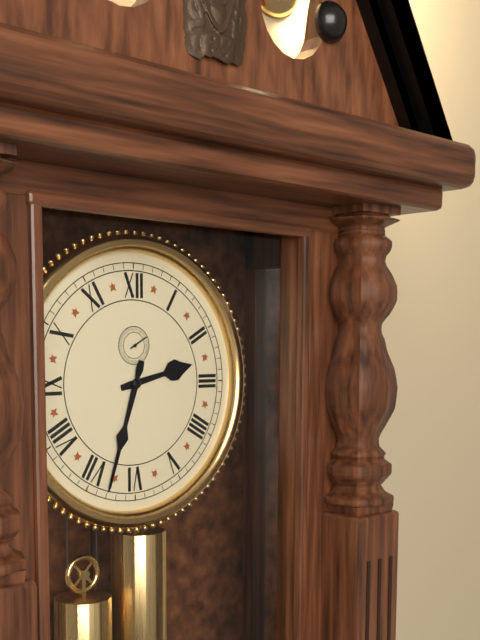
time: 2:33
